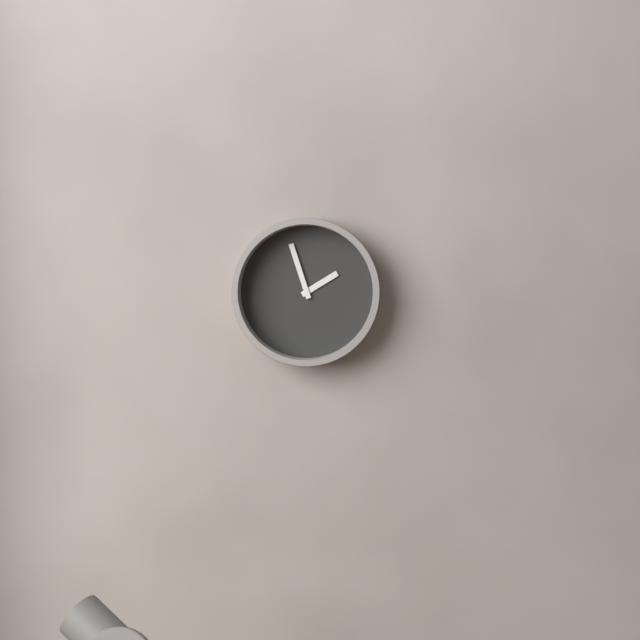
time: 1:57
